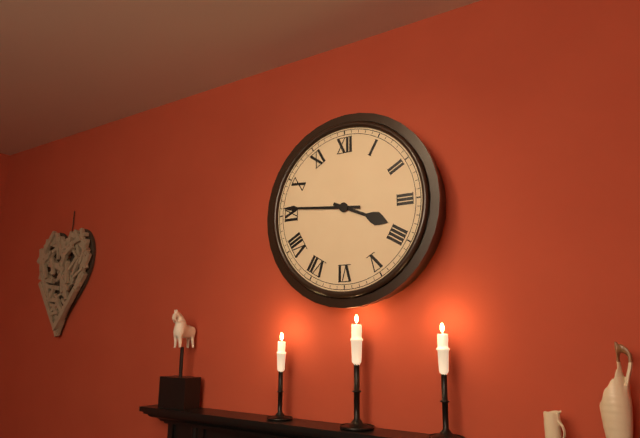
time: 3:46
